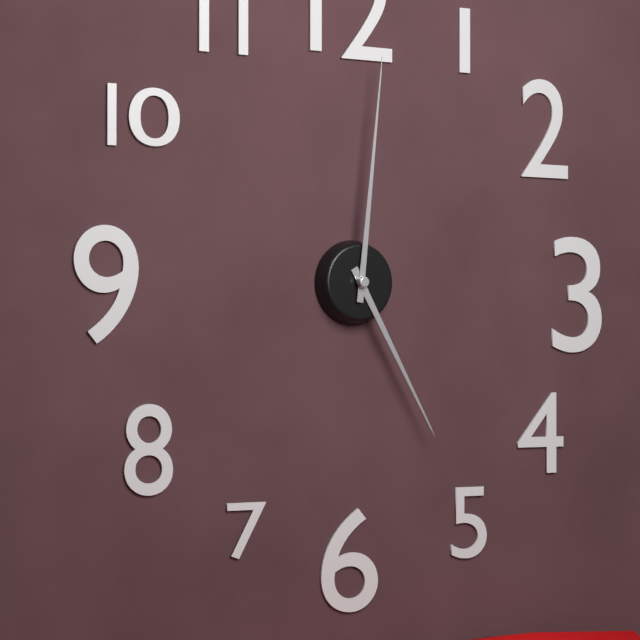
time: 5:01
